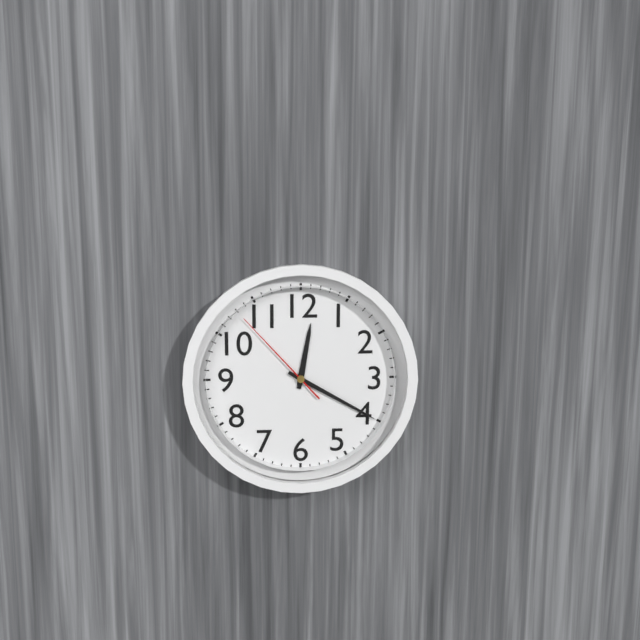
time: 12:20:53
